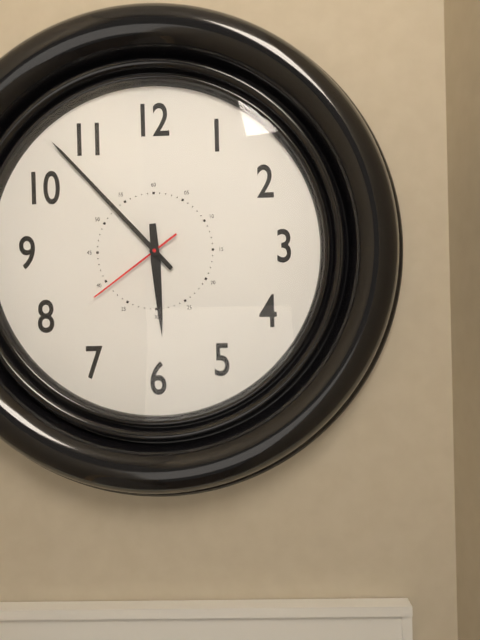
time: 5:53:39
